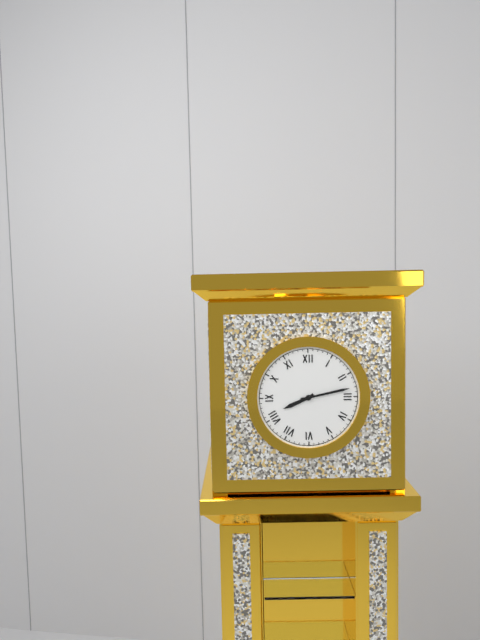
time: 8:13
